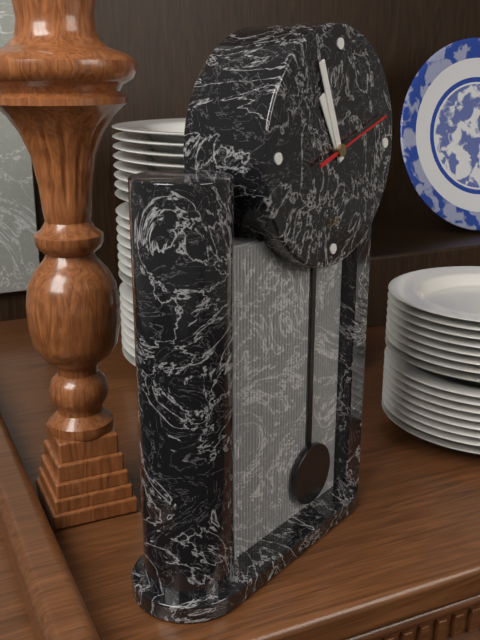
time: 10:56:12
